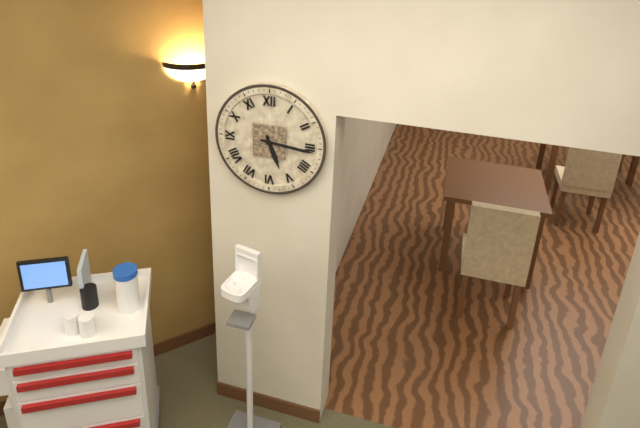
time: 5:16
